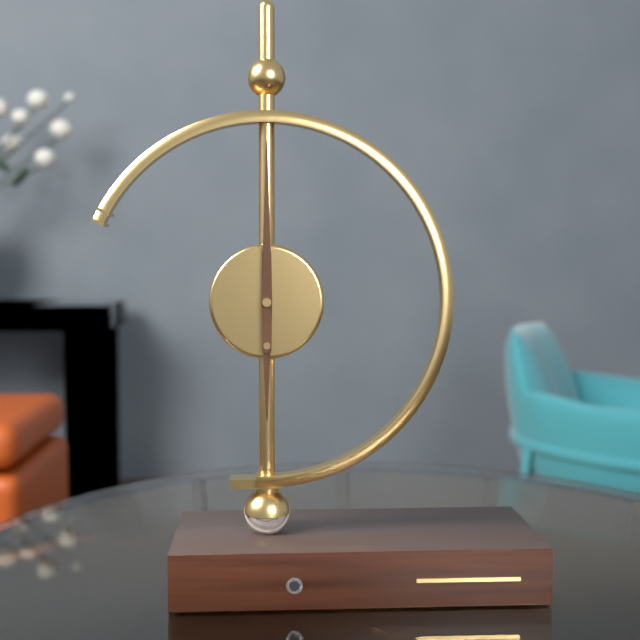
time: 6:00
